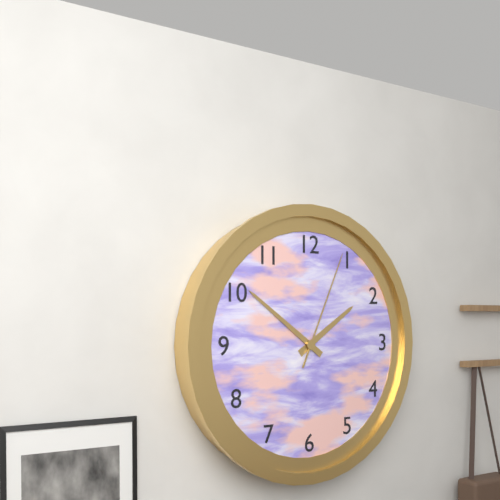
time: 1:51:04
